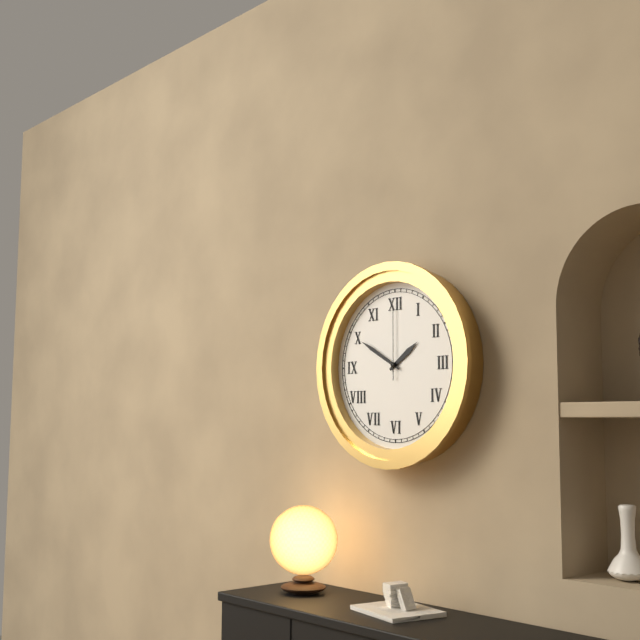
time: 1:50:00
